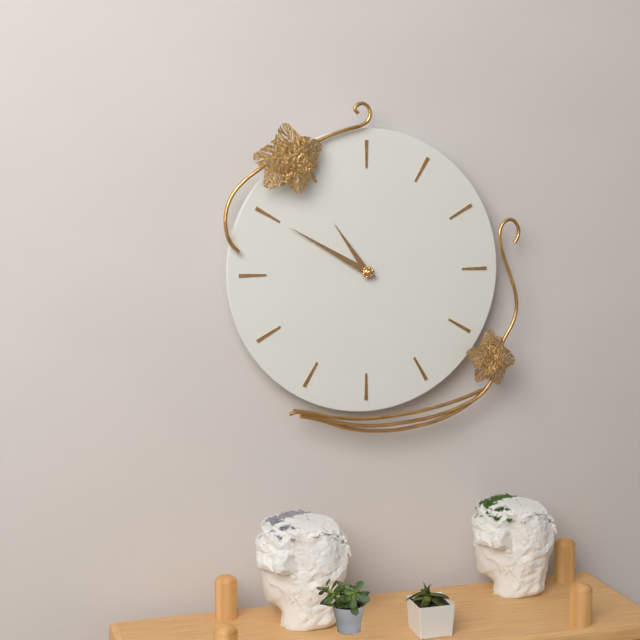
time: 10:50
